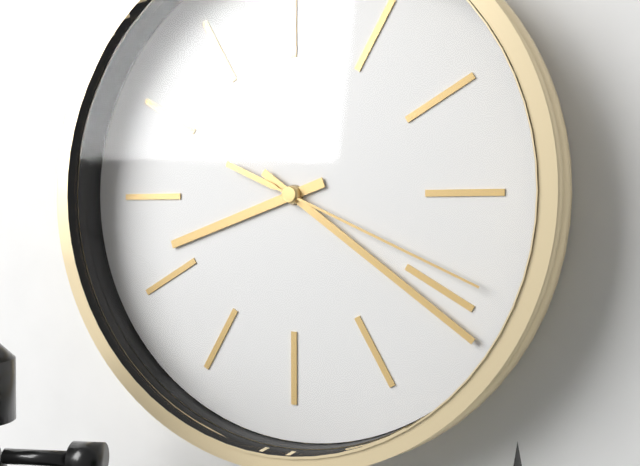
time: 8:21:19
